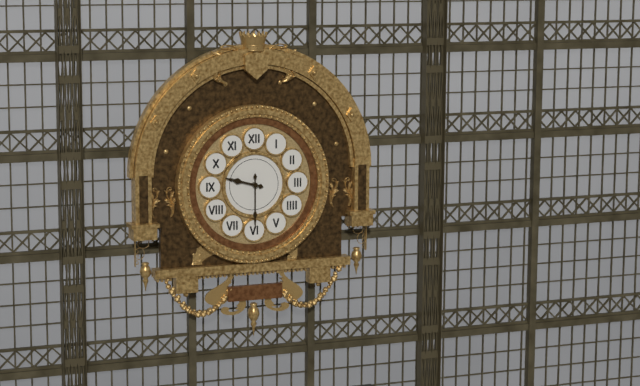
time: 9:30
